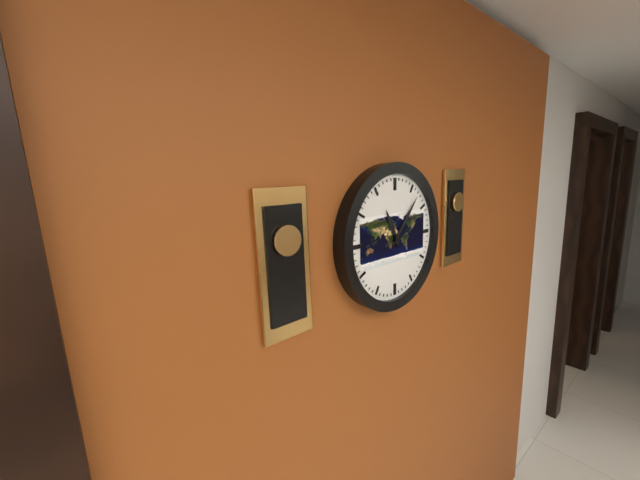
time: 11:07
